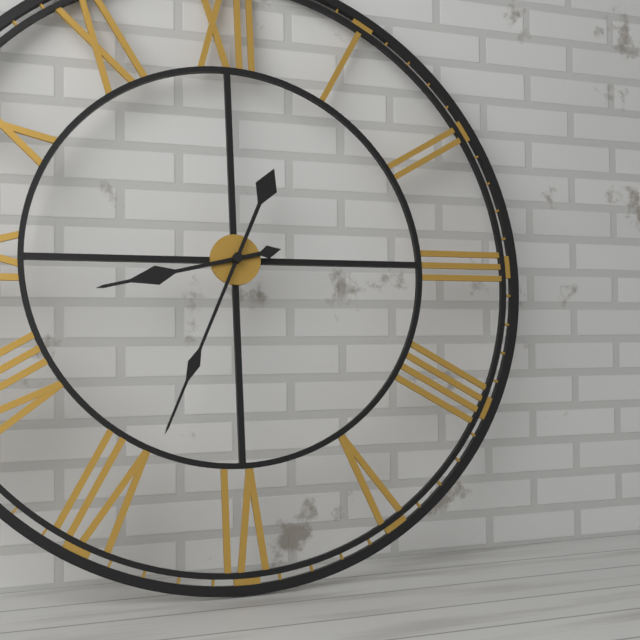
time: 8:34
